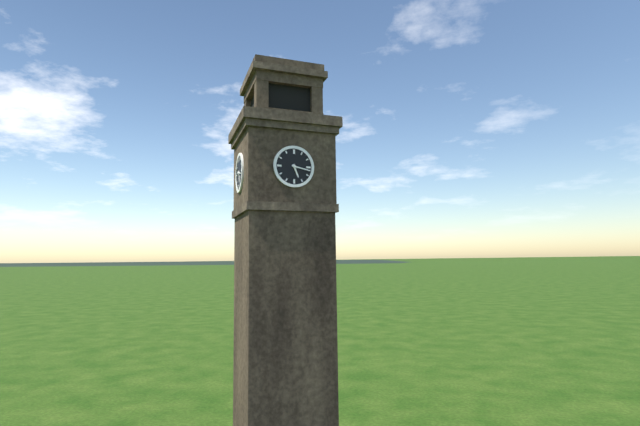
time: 5:17
